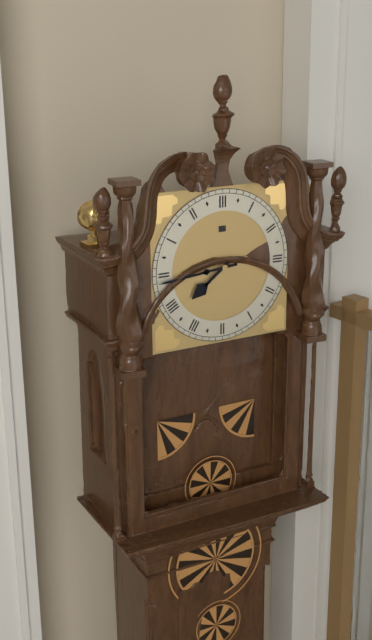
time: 7:44
